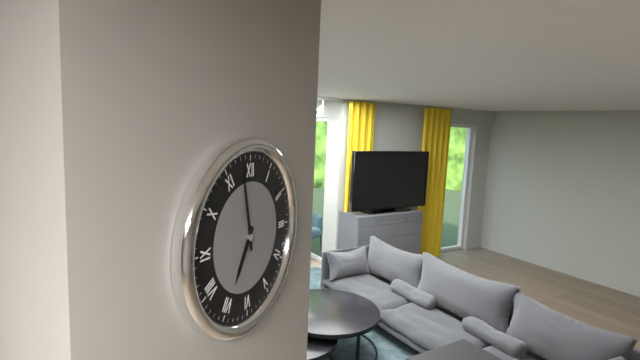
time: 6:58
